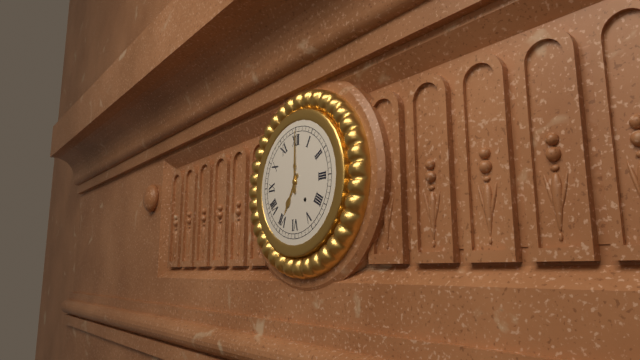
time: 7:00
